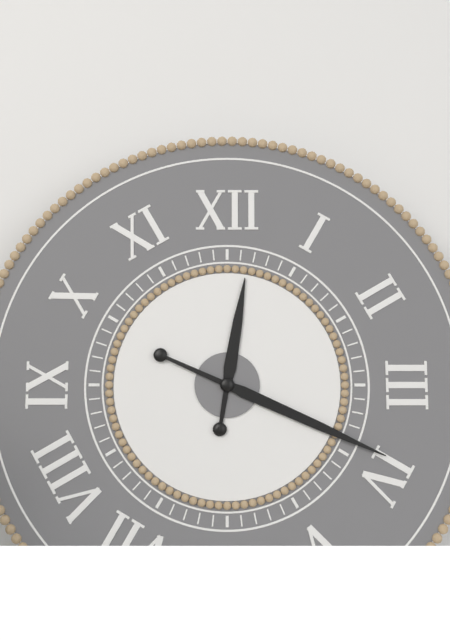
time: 12:19
